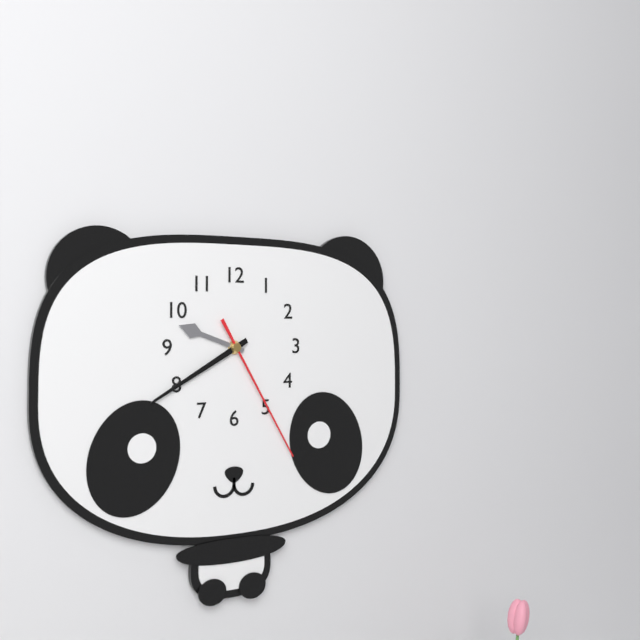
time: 9:40:25
